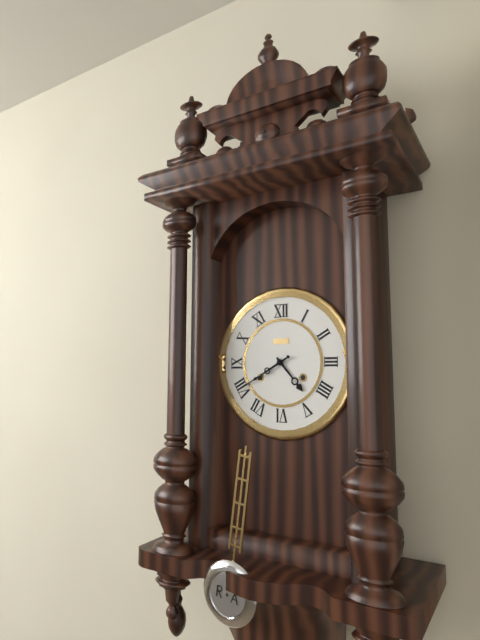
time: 4:40
